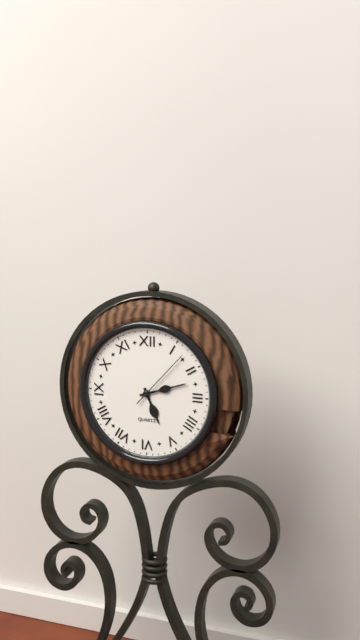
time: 5:12:07
